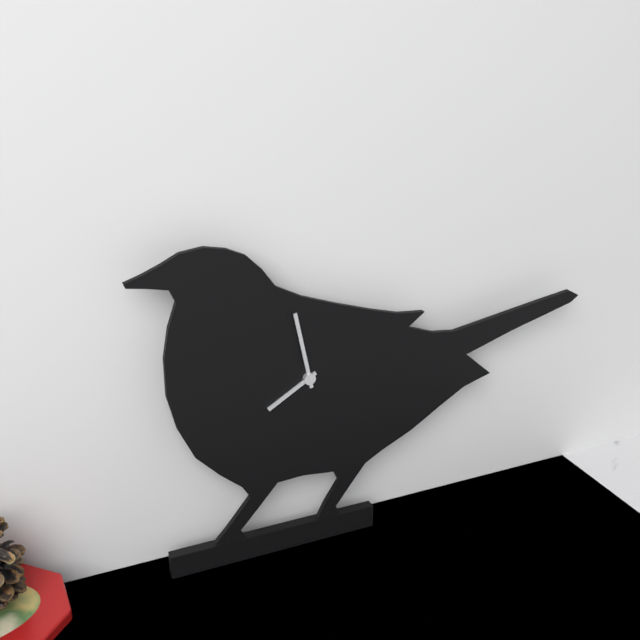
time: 7:58
